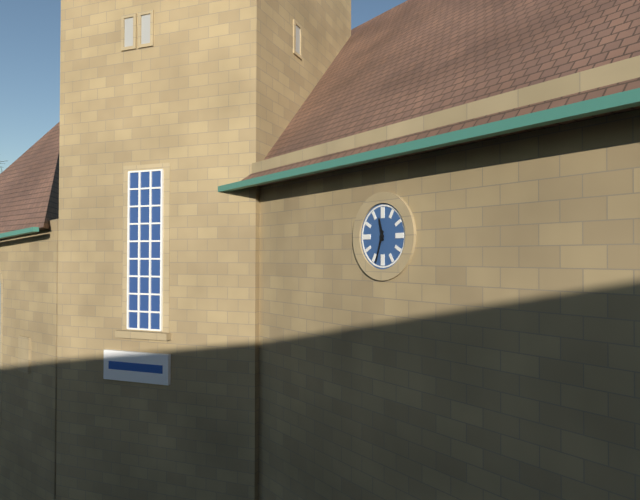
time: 11:33
